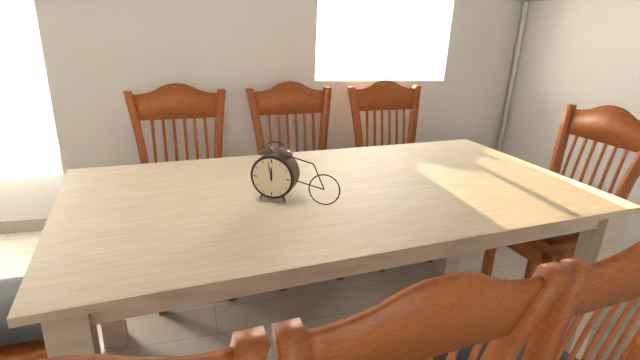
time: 11:58
